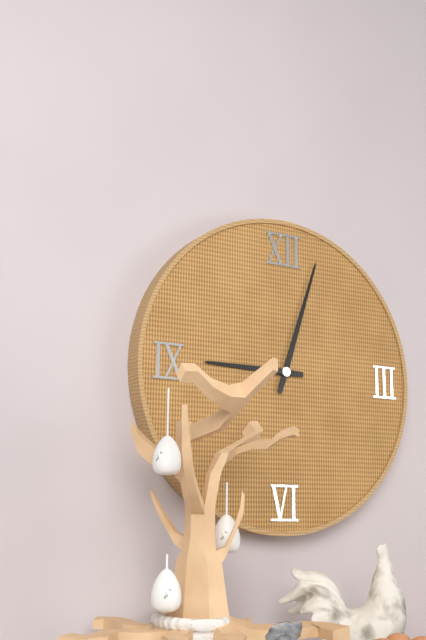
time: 9:03
